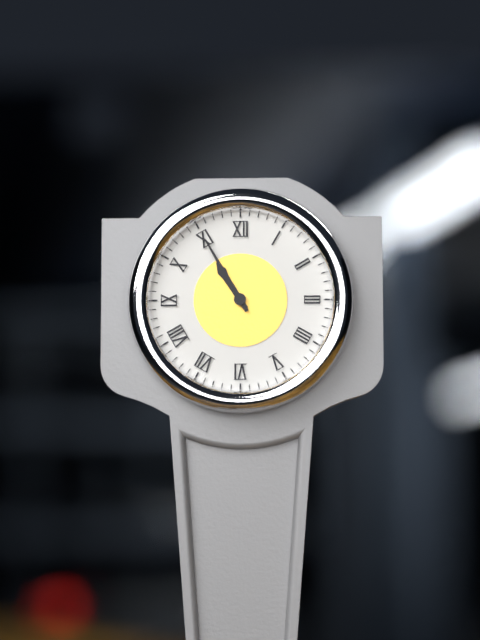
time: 10:55
